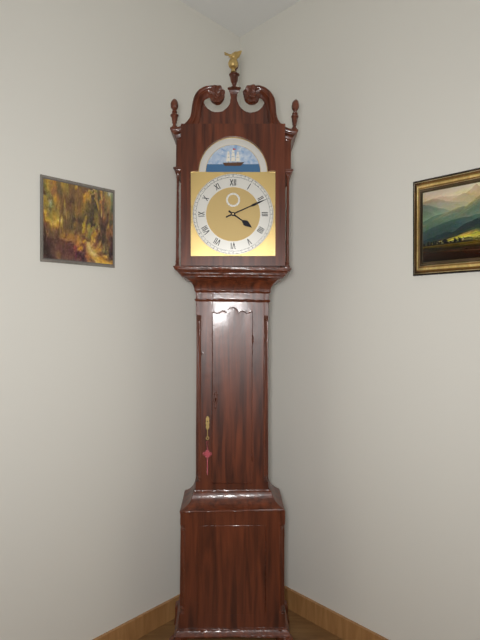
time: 4:11
